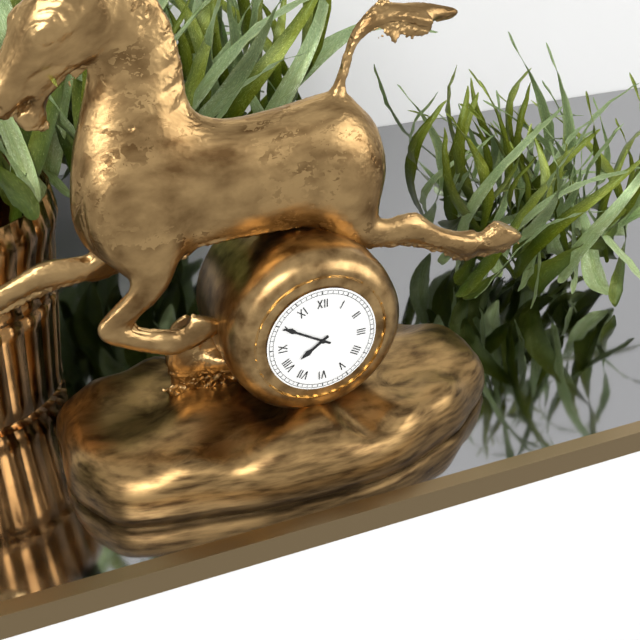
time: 7:50
